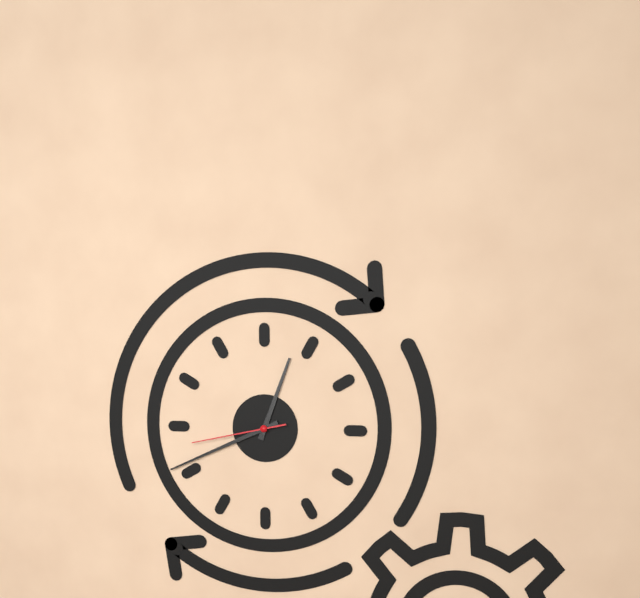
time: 12:41:43
